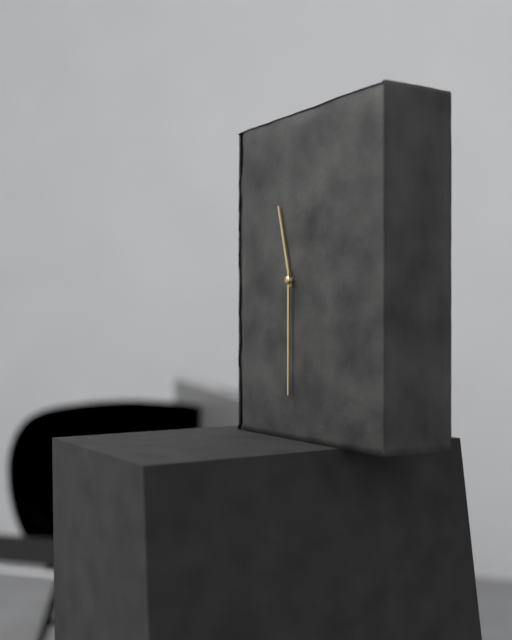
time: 11:30
